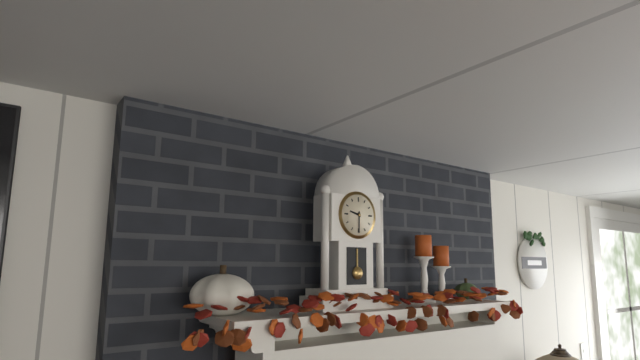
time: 9:30
